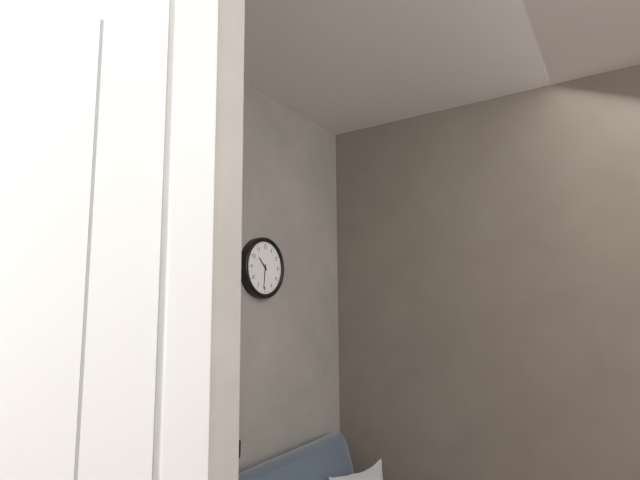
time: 10:31
